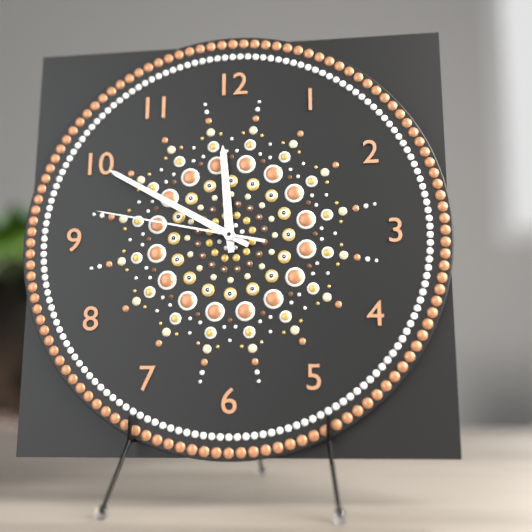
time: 11:50:47
